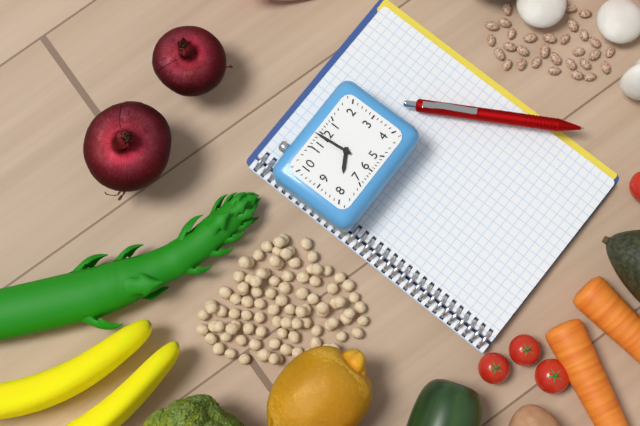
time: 7:59
